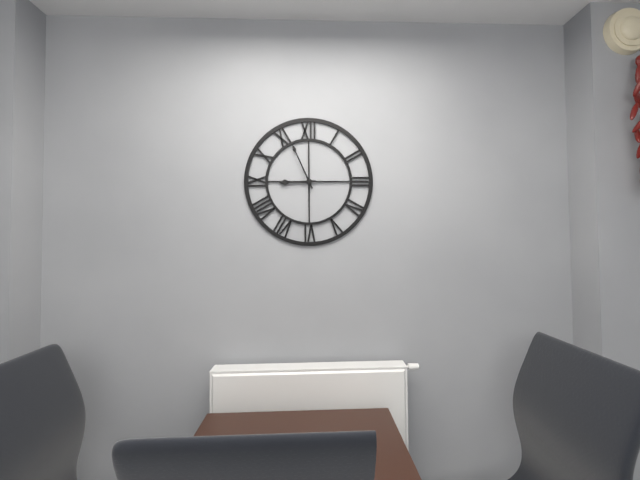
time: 8:56
